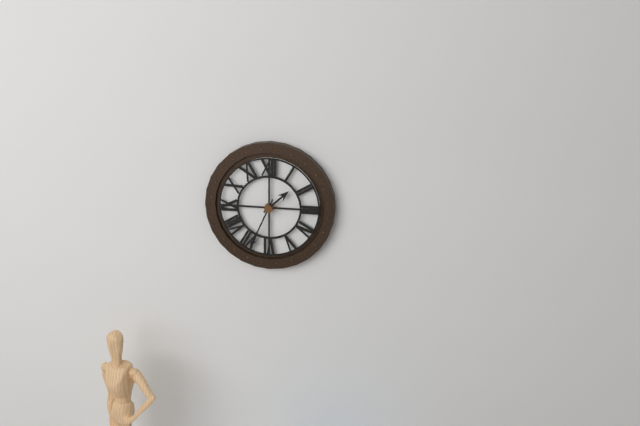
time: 1:34
